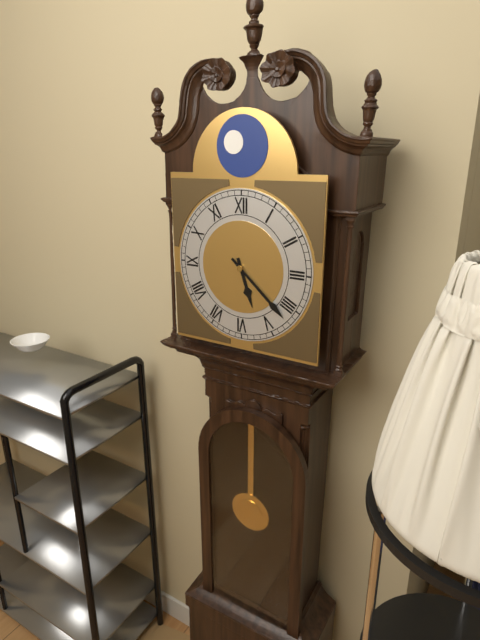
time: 5:22
